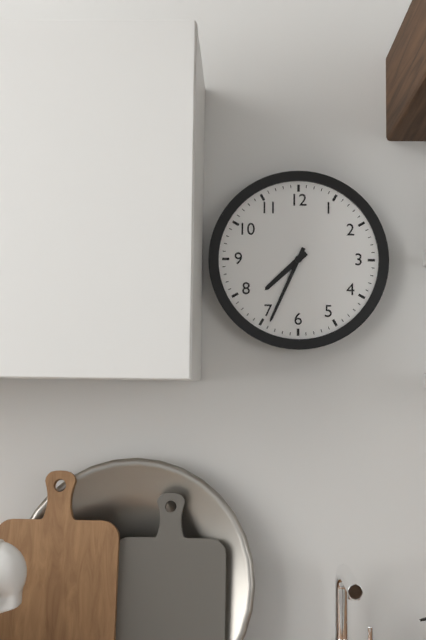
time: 7:34
